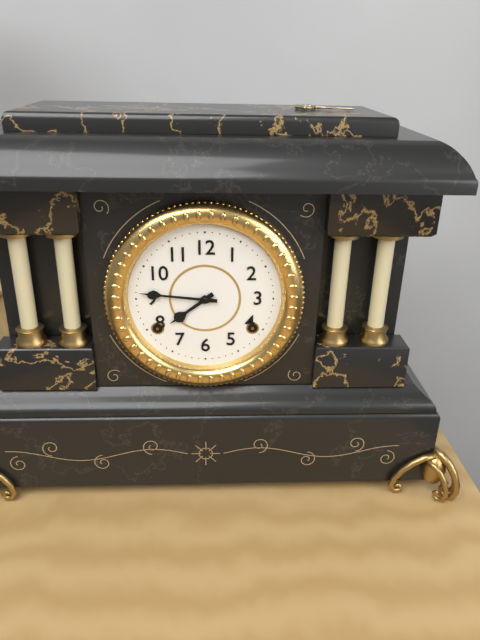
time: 7:46
